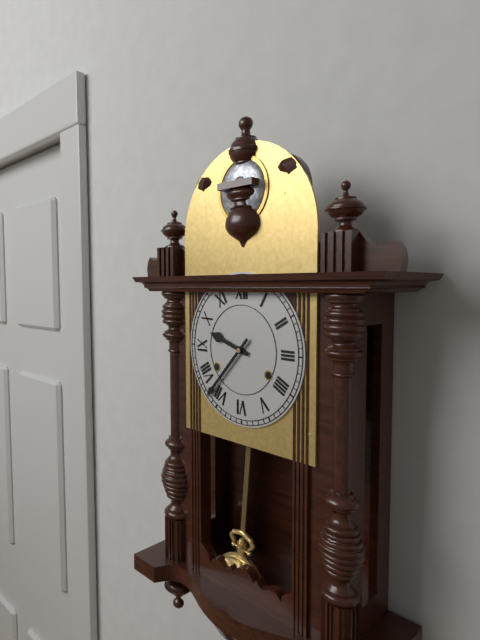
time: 9:37
